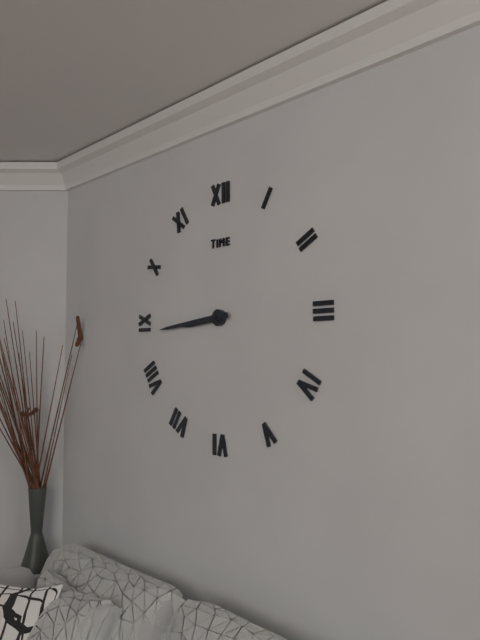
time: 8:44
